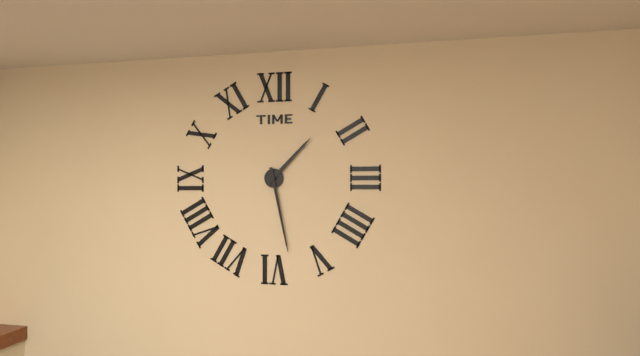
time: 1:28
